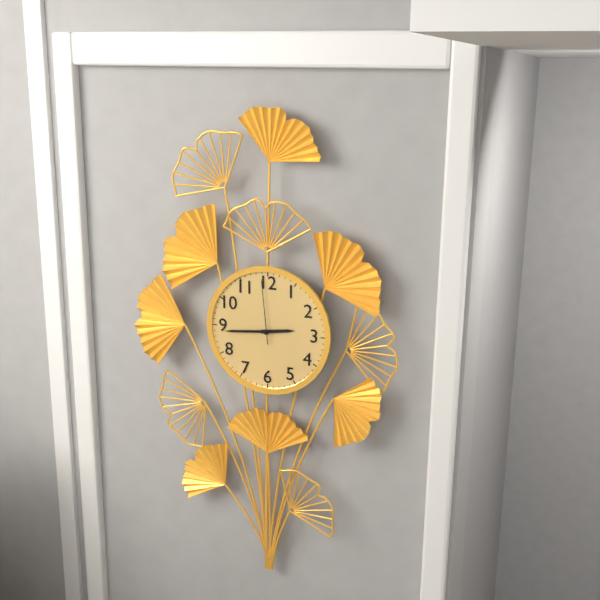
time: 2:44:59
